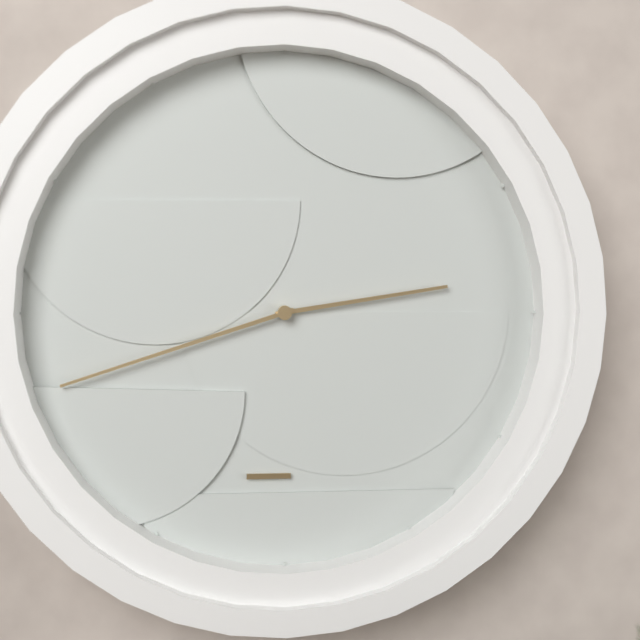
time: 2:42
